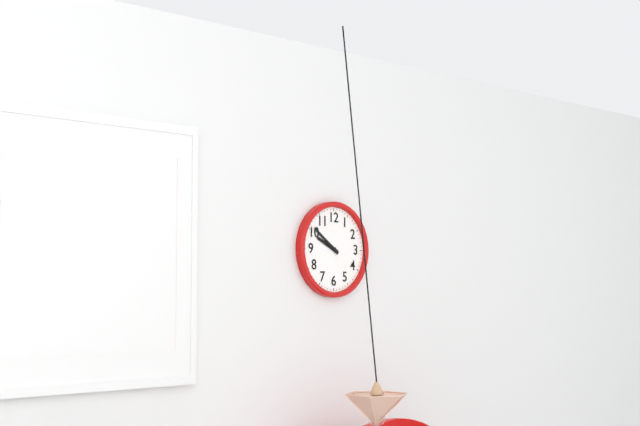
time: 9:51
